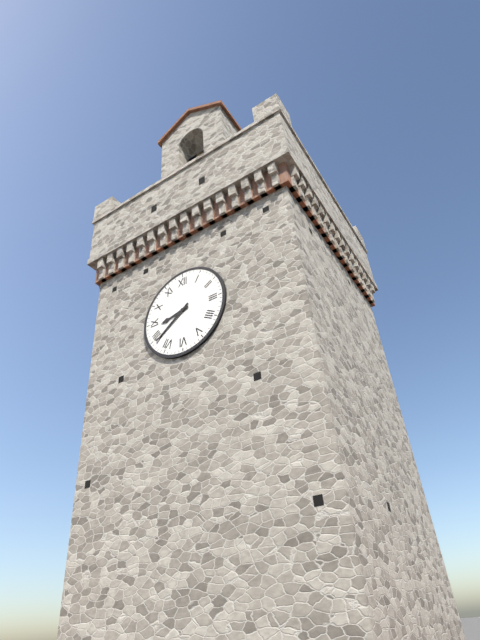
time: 8:39
